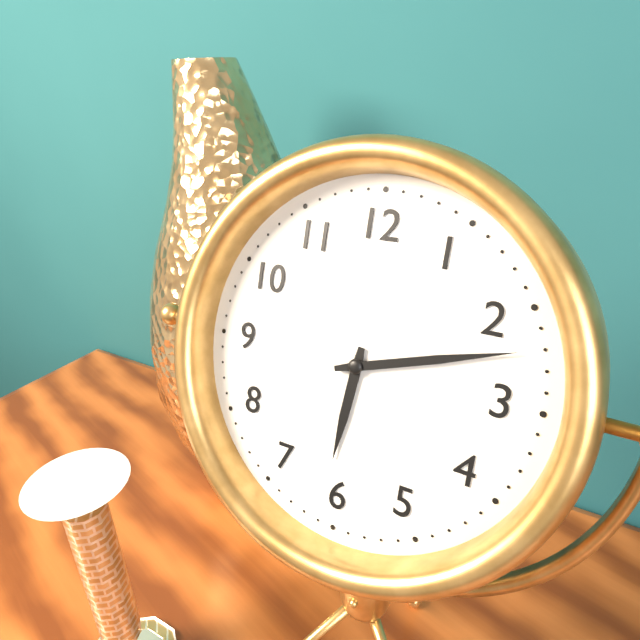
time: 6:12
